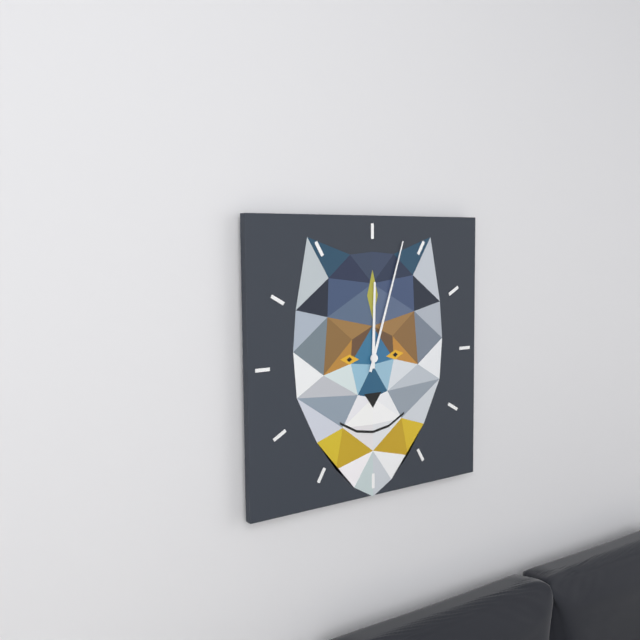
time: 12:03
